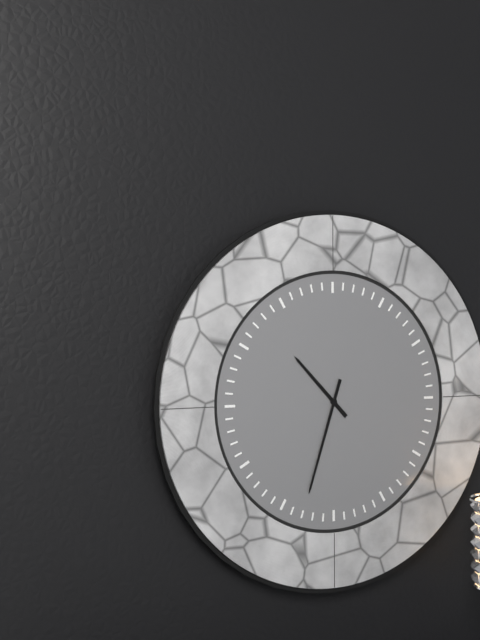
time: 10:33
